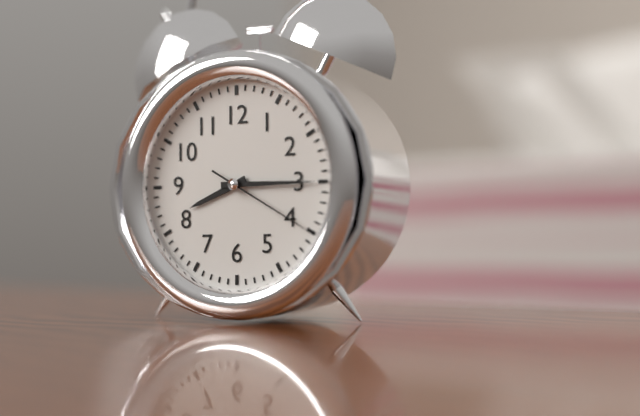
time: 8:15:20
